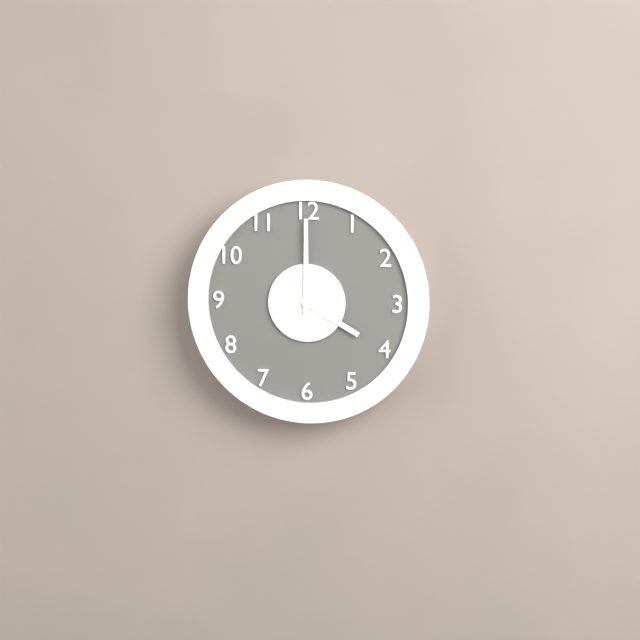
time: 4:00
